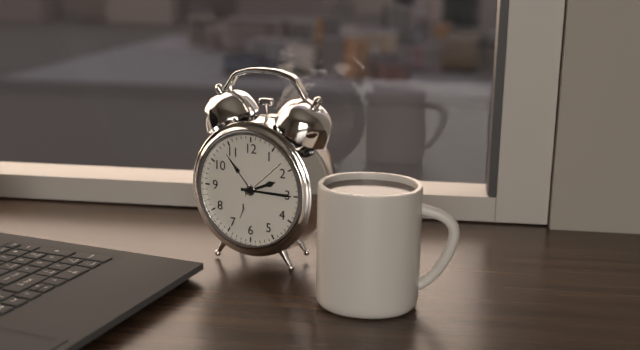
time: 2:15
